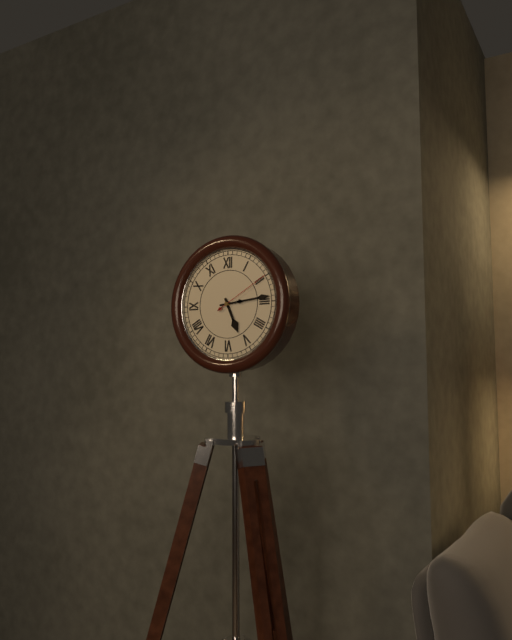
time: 5:14:10
